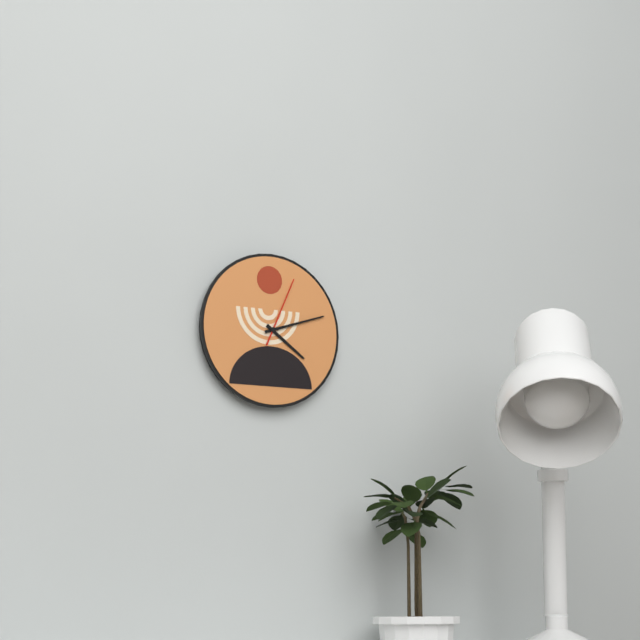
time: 4:12:04
